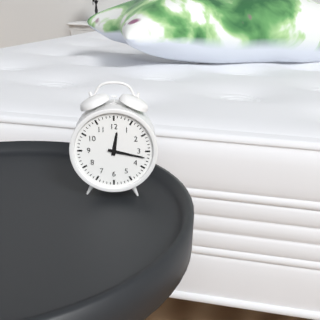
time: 12:17
